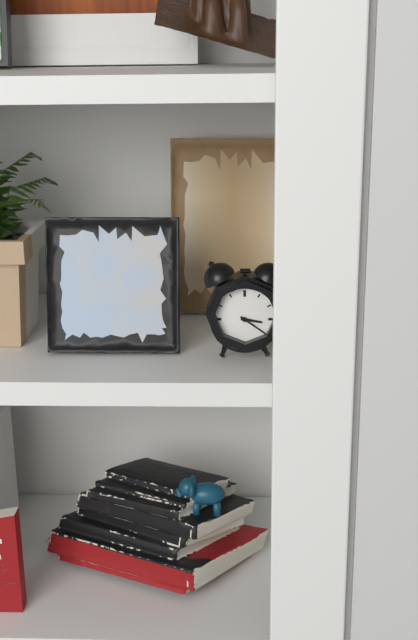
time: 3:21
